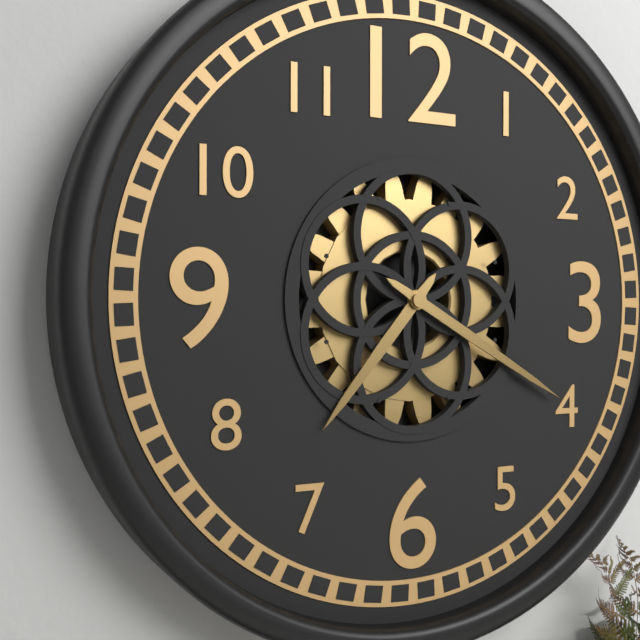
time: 7:20
